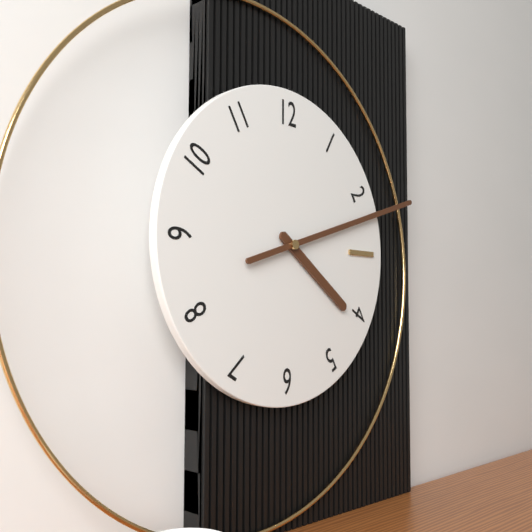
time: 4:12
